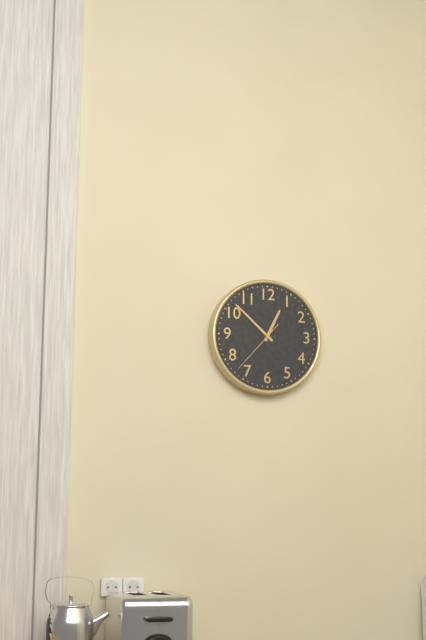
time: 12:52:37
